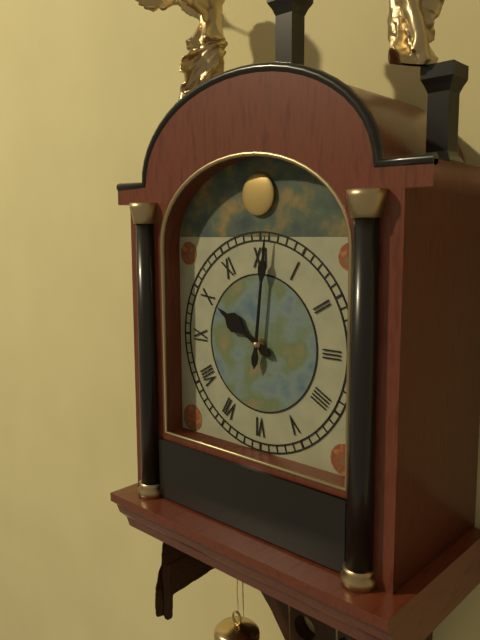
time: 10:01
